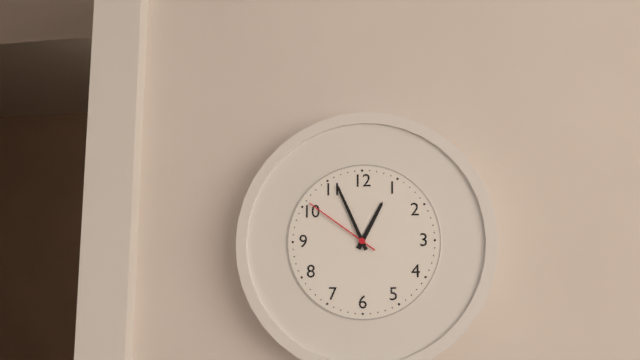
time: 12:56:51
